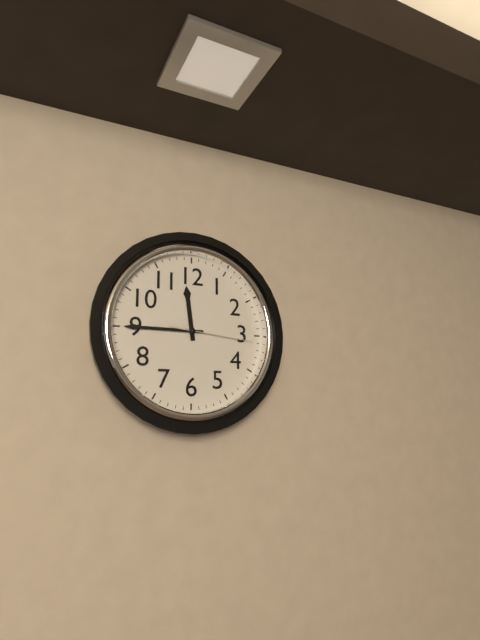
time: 11:45:16
